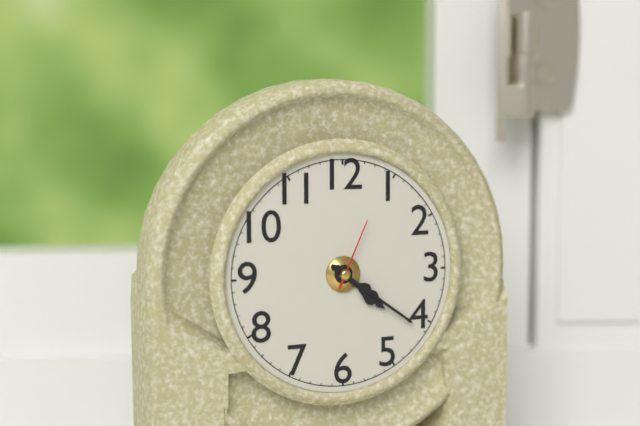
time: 4:21:04
